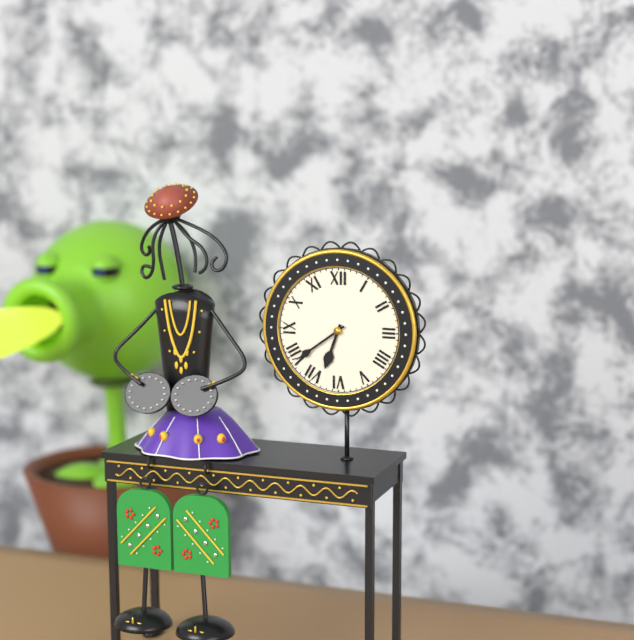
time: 6:39
